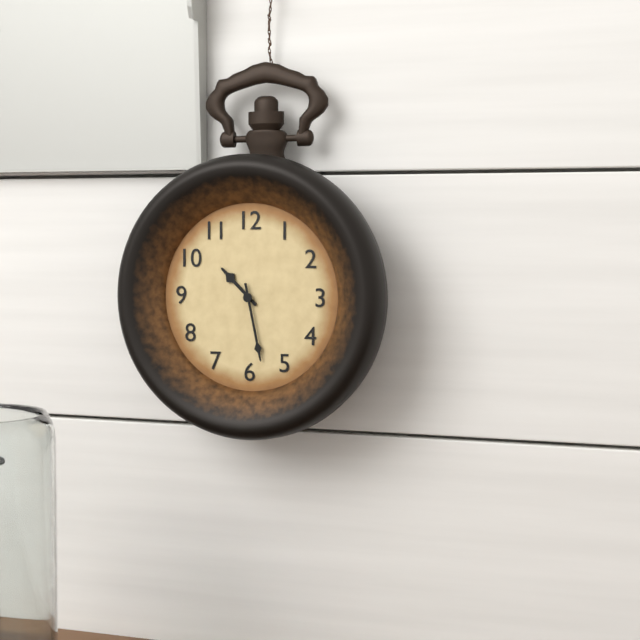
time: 10:28
